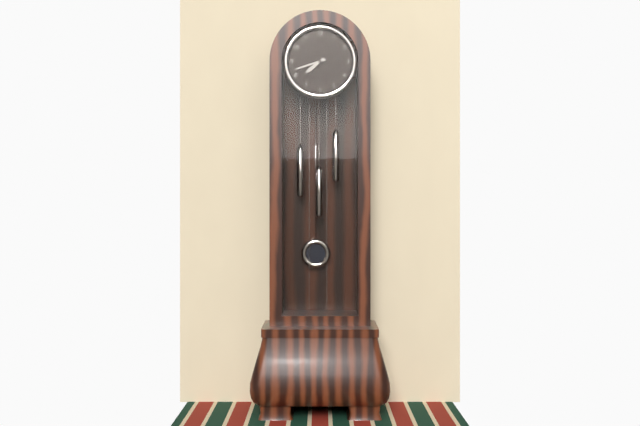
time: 7:42
